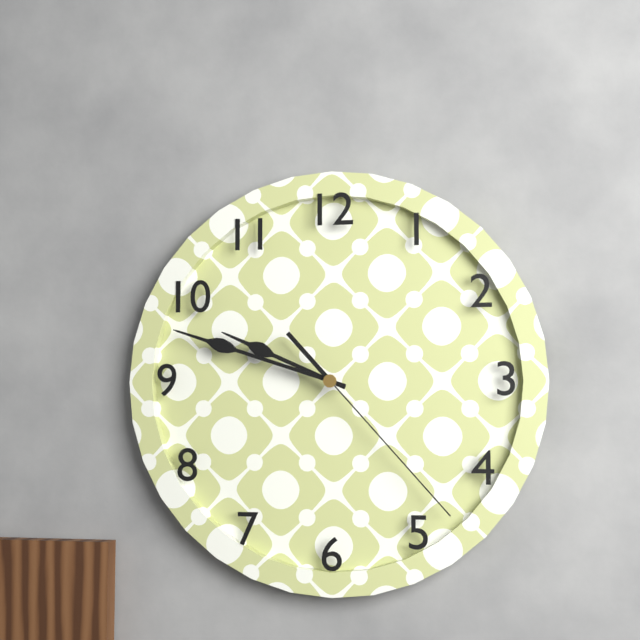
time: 9:48:23
